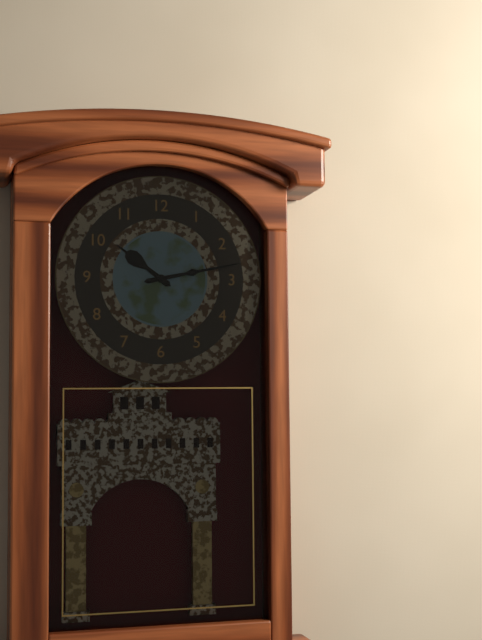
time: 10:13
